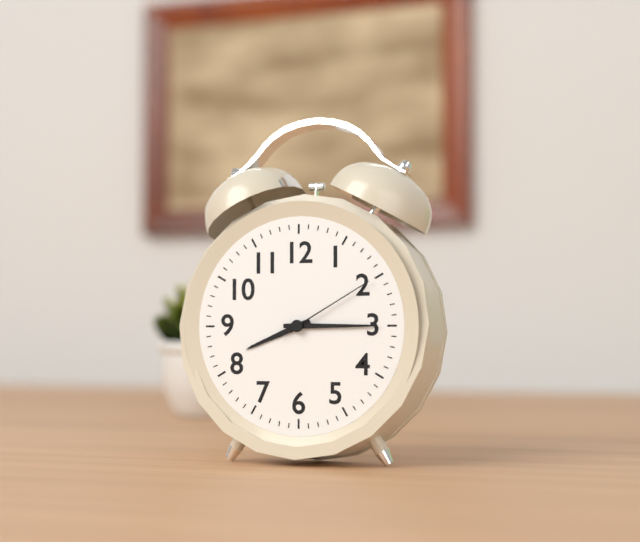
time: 8:15:10
